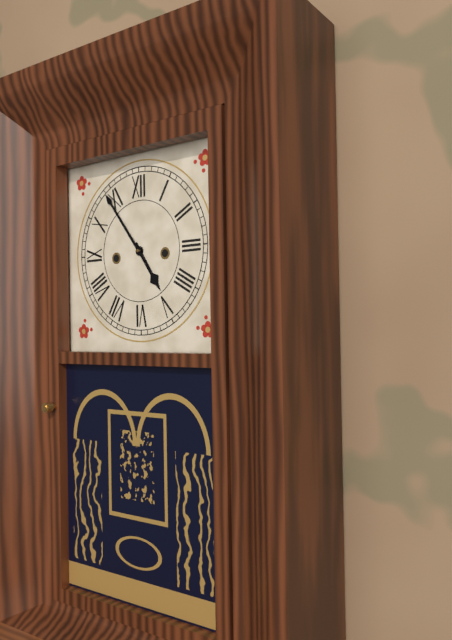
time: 4:54
